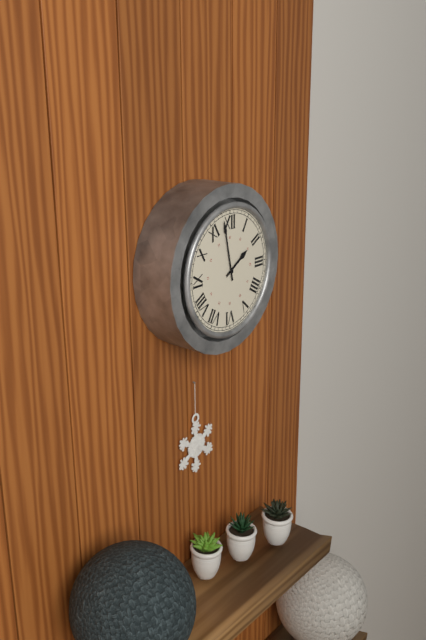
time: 1:58
